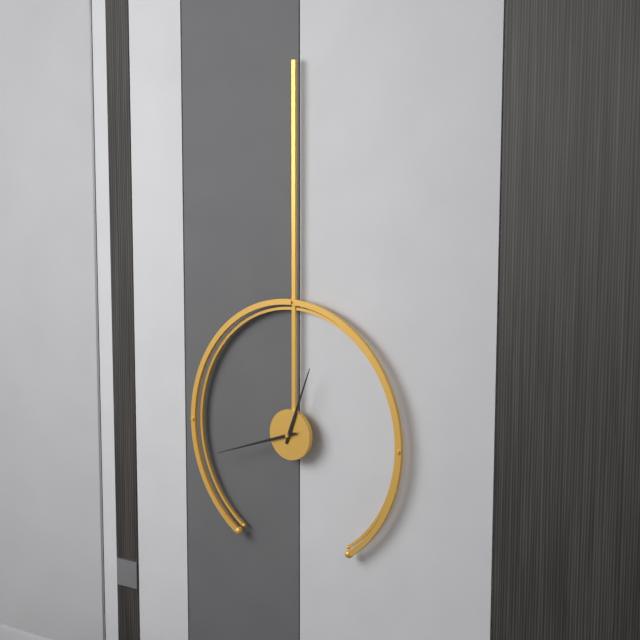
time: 12:42
